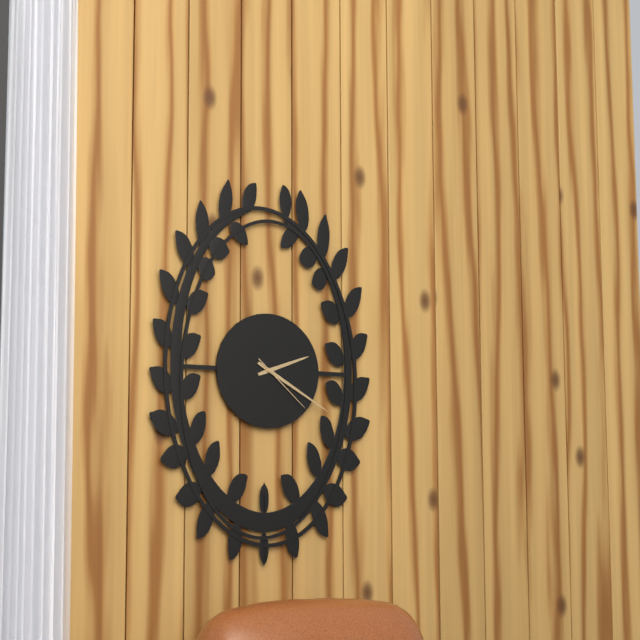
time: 2:20:22
